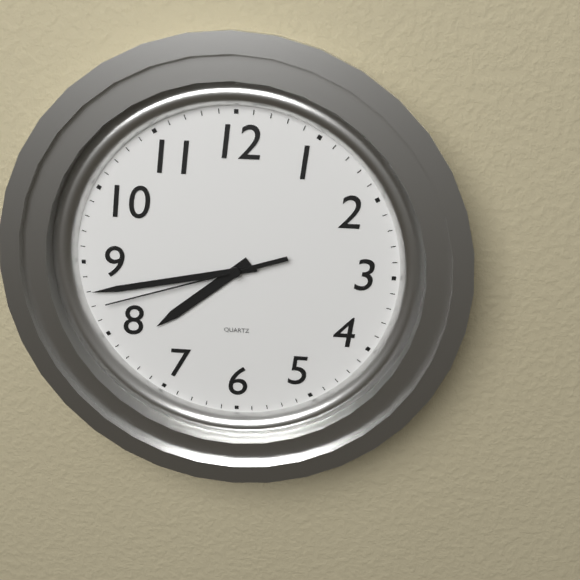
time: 7:43:42
